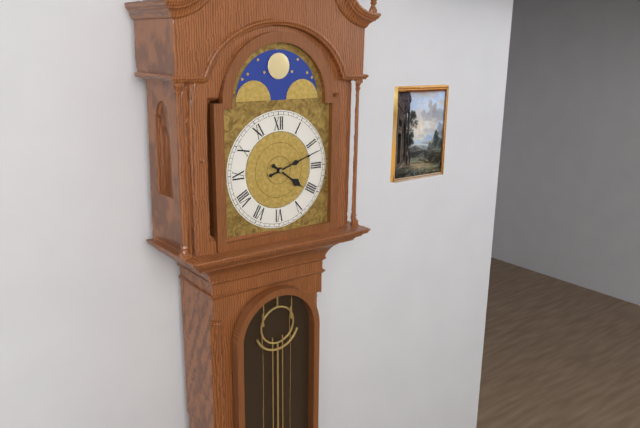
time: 4:12
